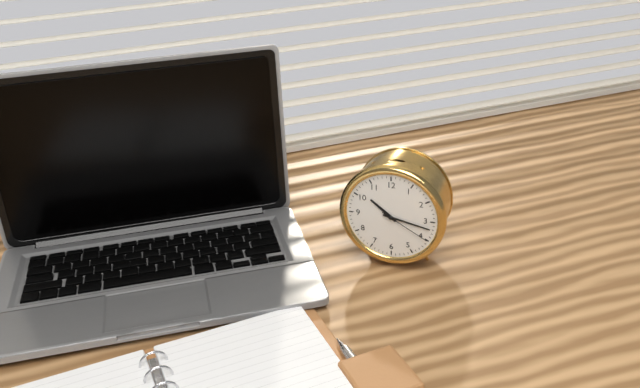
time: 10:17:20
